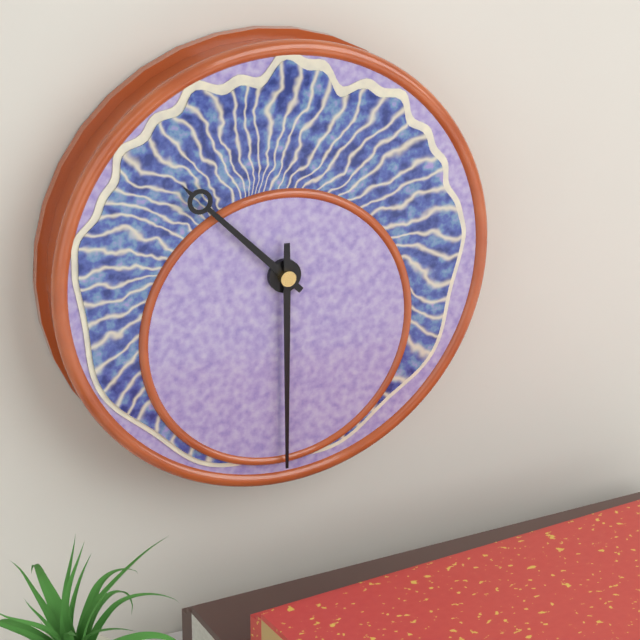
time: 10:30
